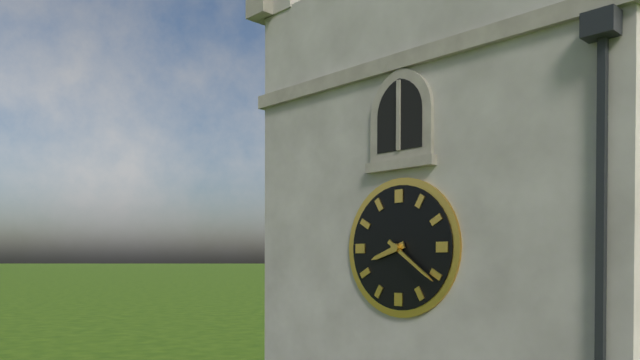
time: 8:21
